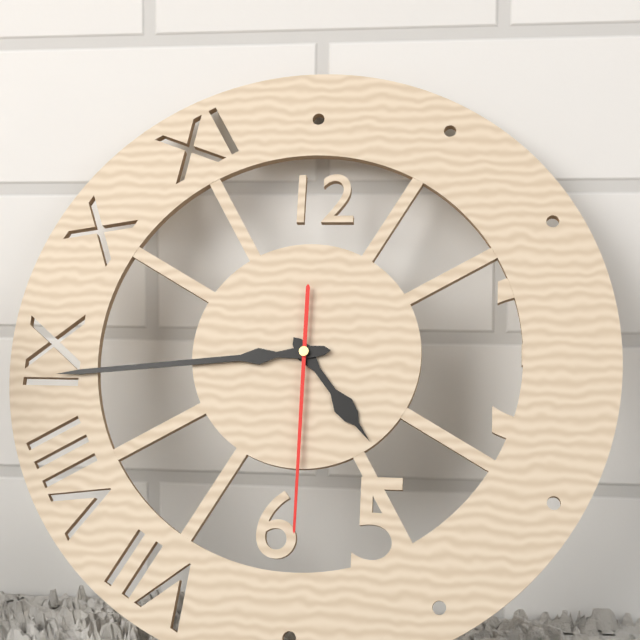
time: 4:44:30
